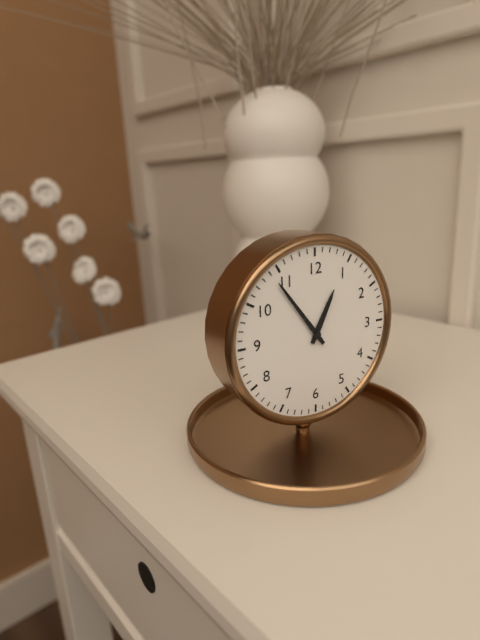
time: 12:54
